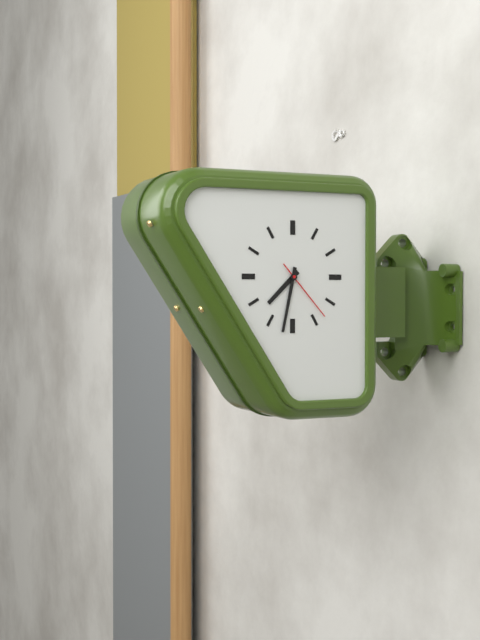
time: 7:32:23
